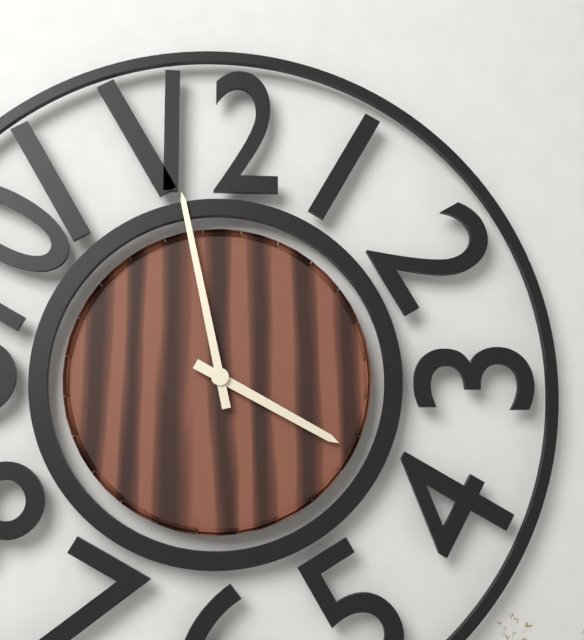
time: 3:58
